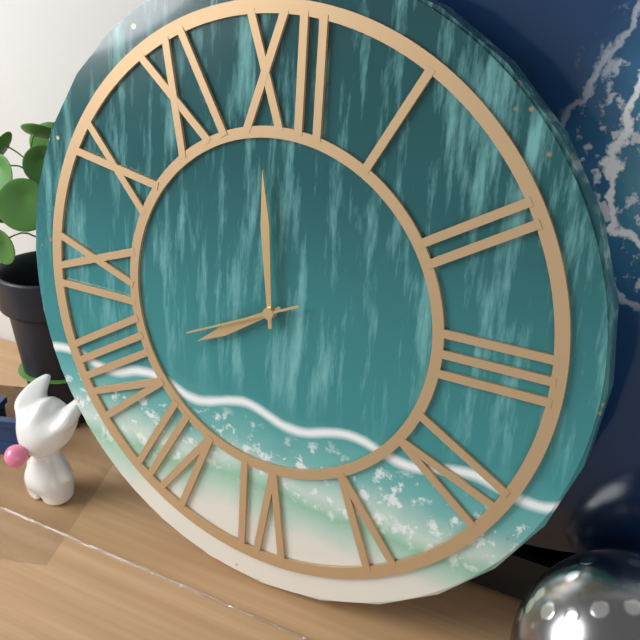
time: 7:59:41
